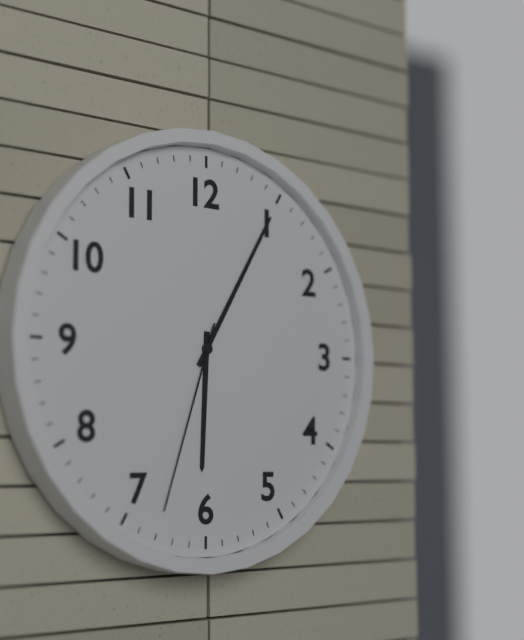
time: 6:05:33
